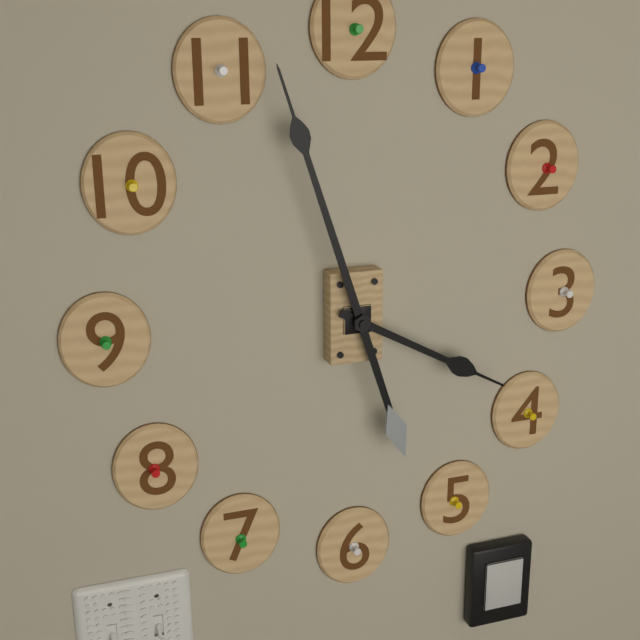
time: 3:57
